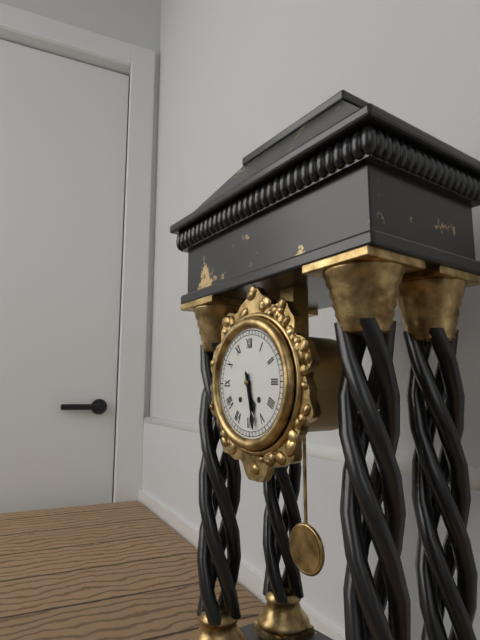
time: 5:28
